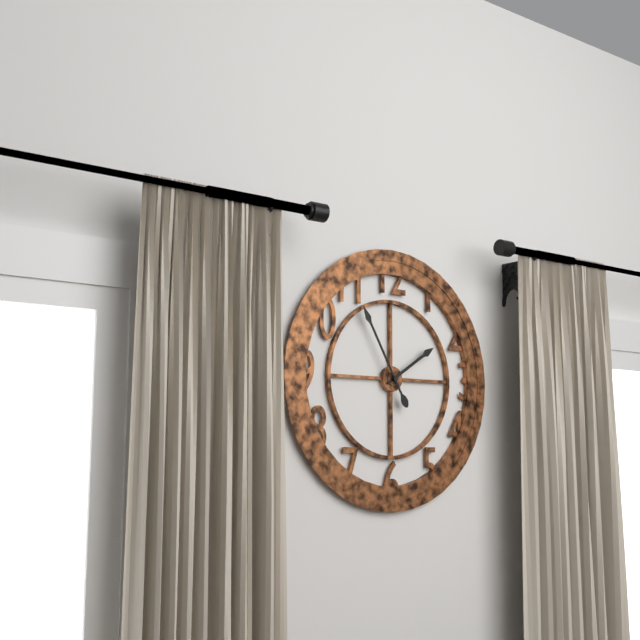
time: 1:55
